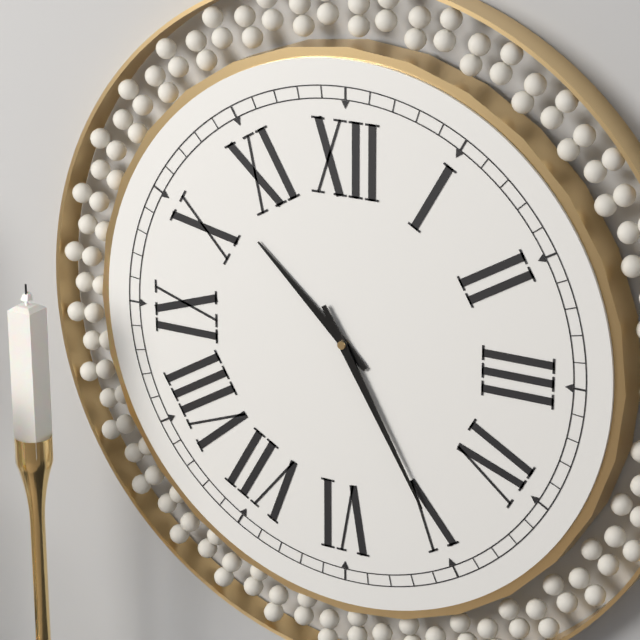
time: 10:25
